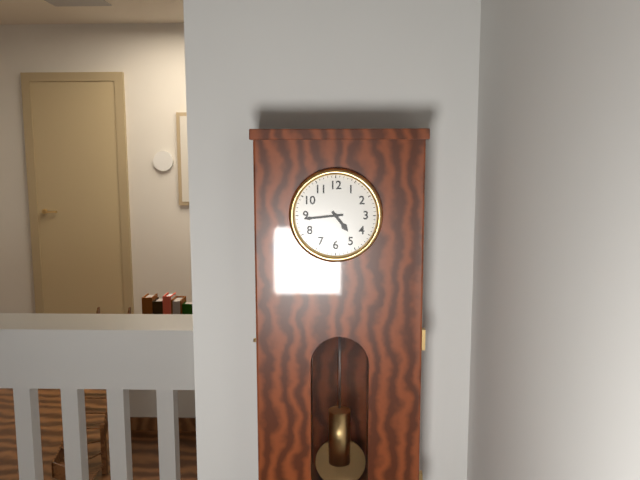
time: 4:44
